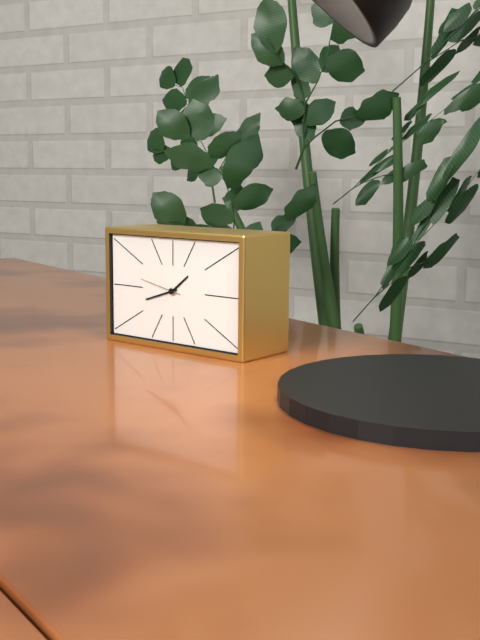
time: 1:42
